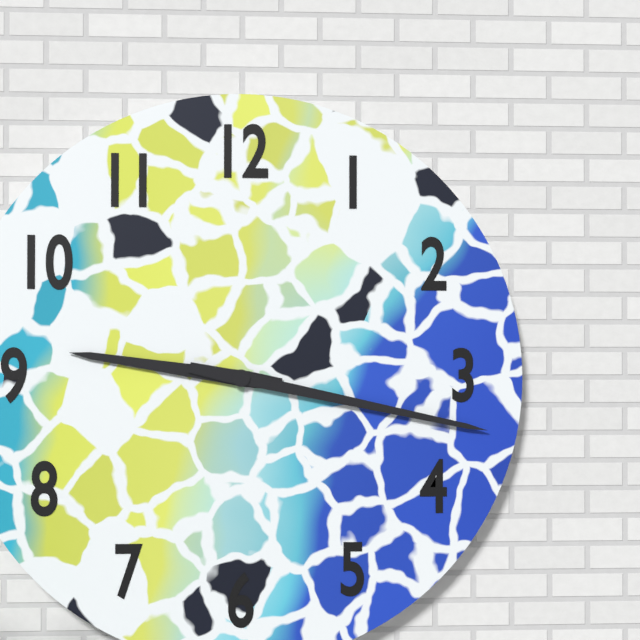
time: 9:17
